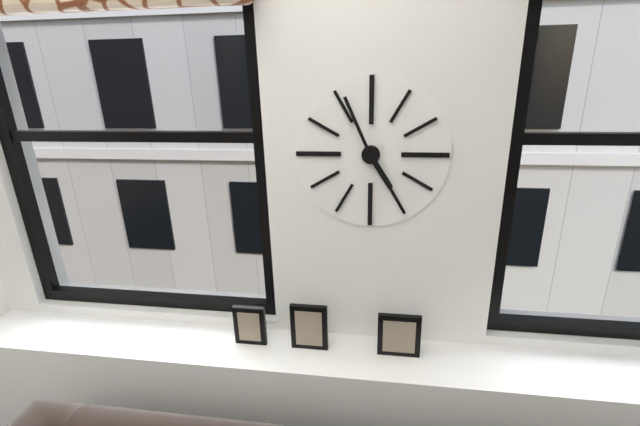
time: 4:56
